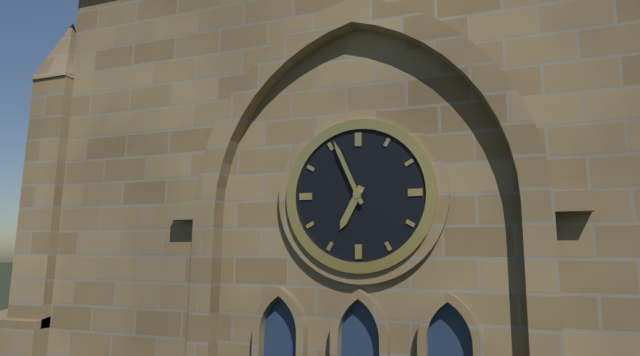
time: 6:56
